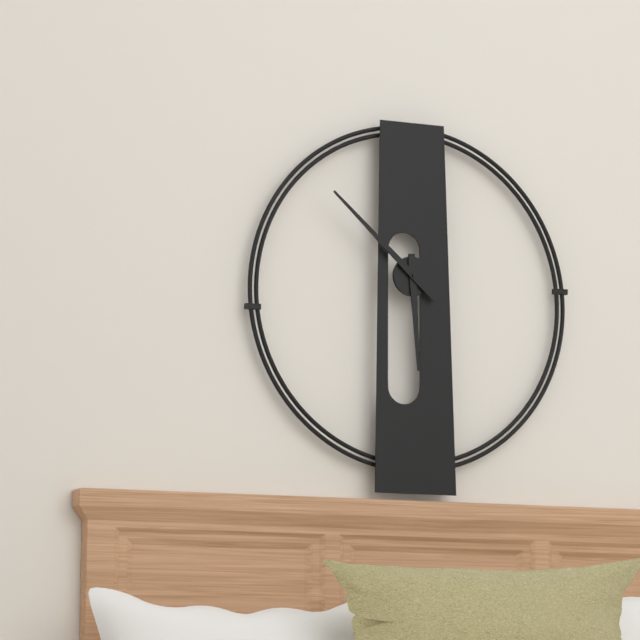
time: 5:52
